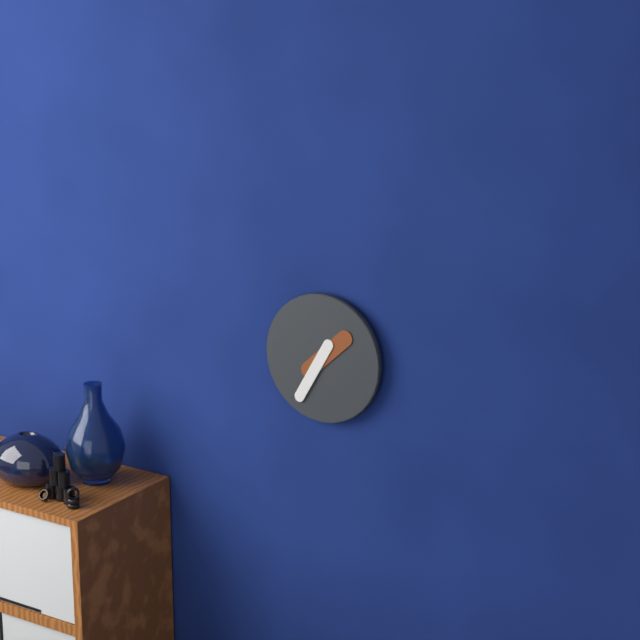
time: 1:35
